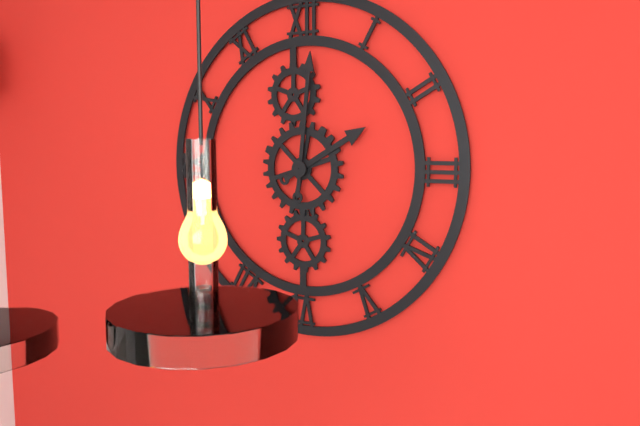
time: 2:01
